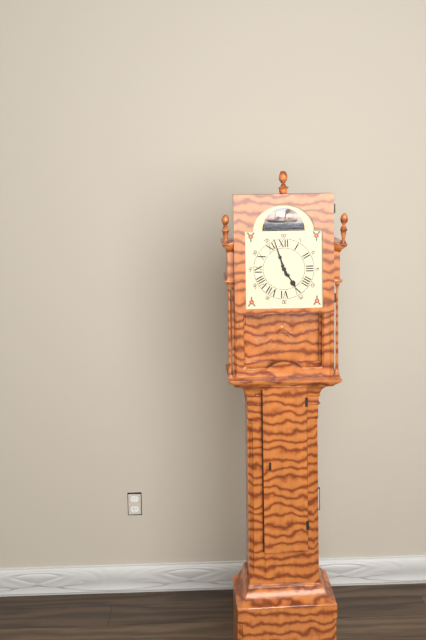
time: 4:57
